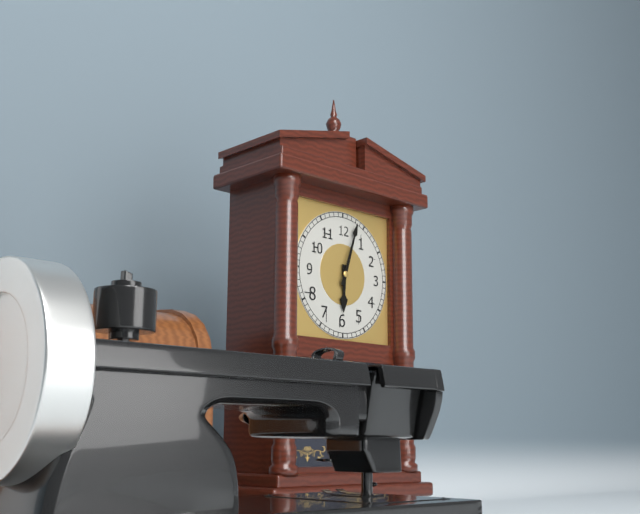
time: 6:03
